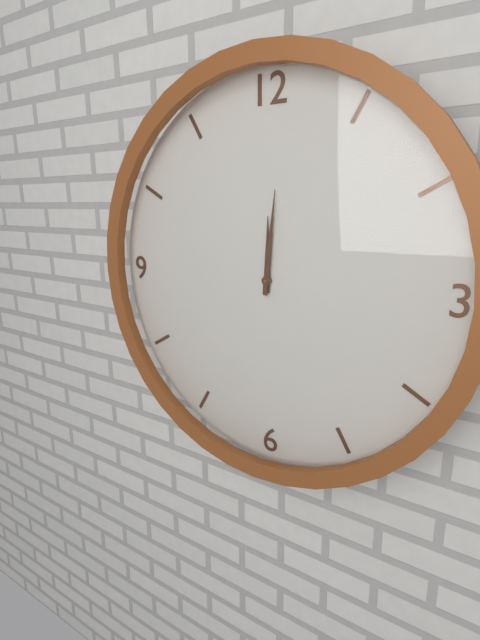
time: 12:01
